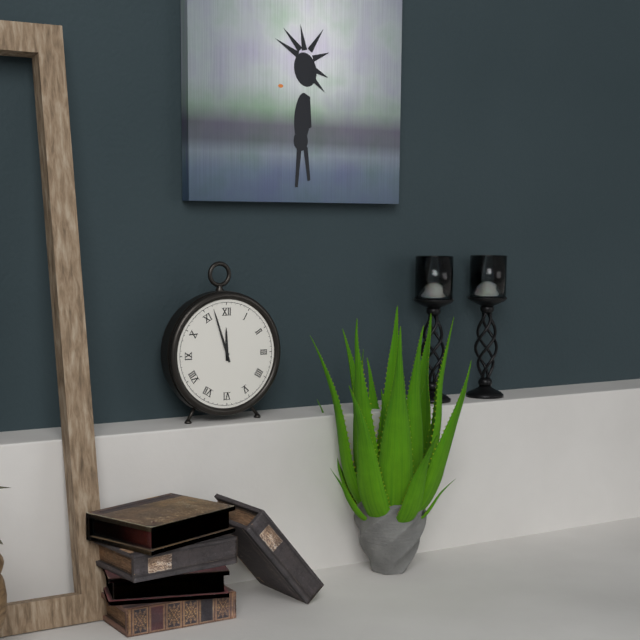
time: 11:57
